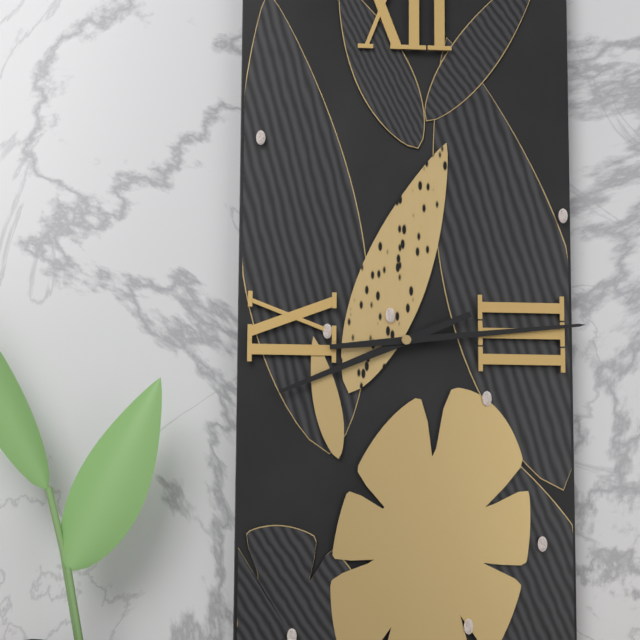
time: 8:14
